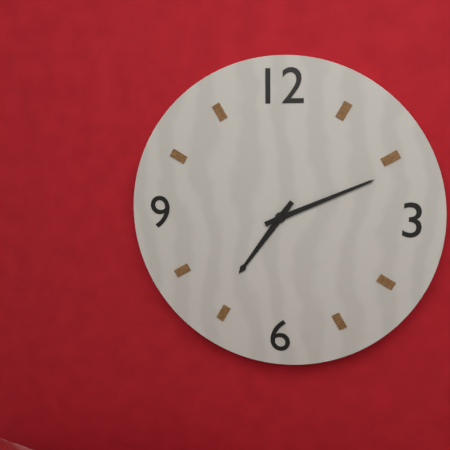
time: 7:11
